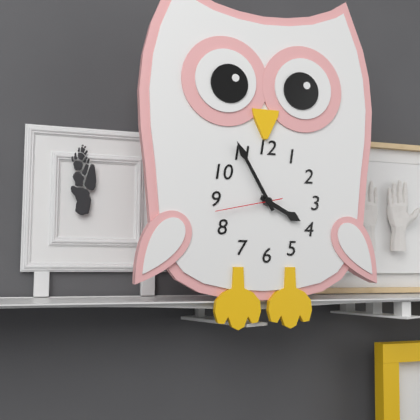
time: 3:55:43
